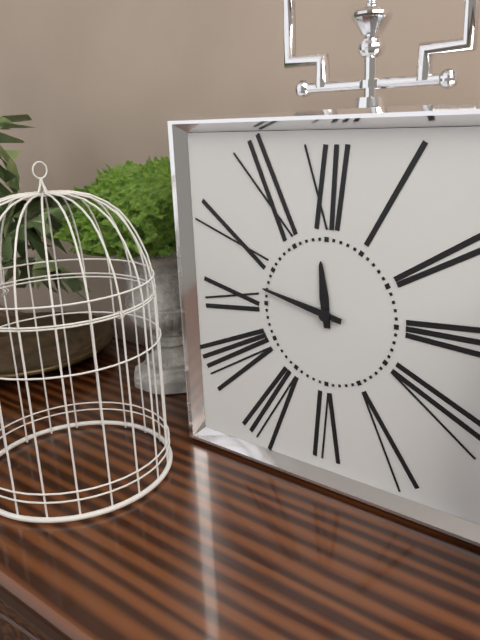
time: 11:47
